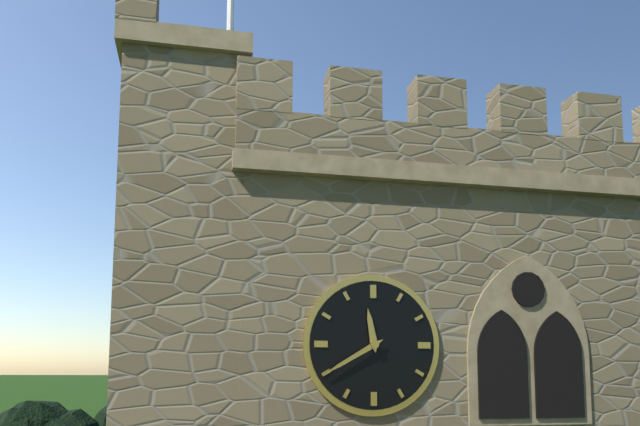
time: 11:40
